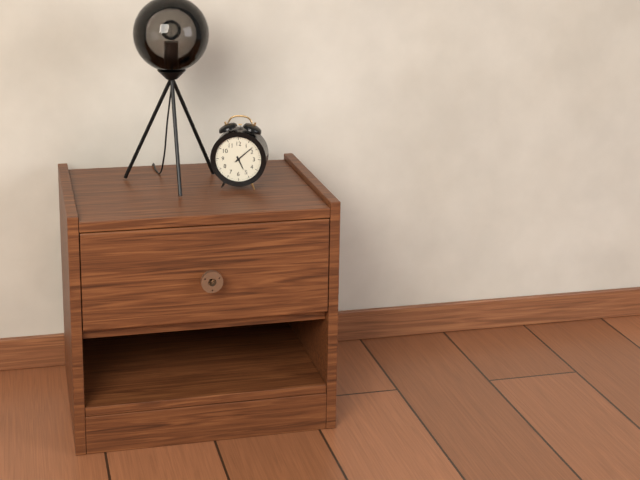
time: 5:08
